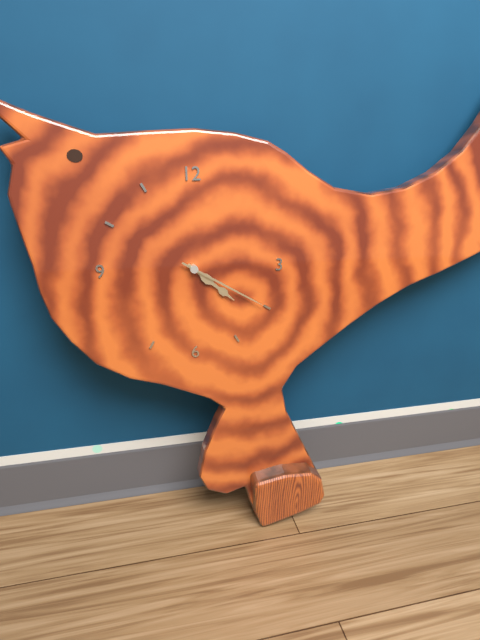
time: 4:20
